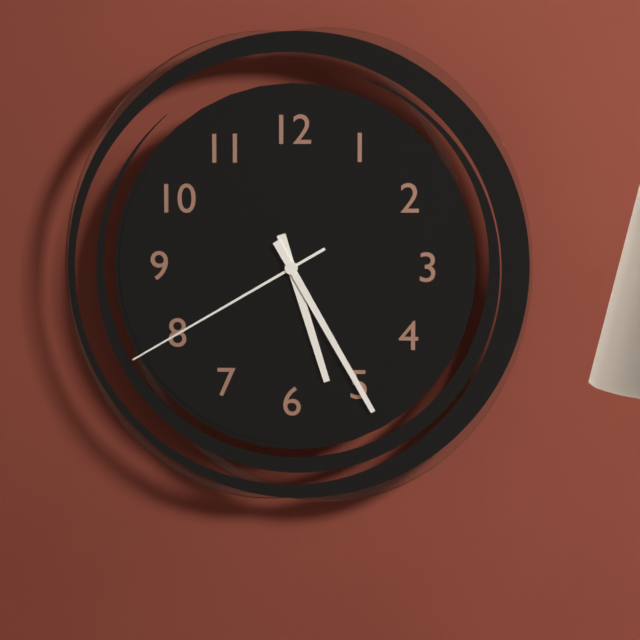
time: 5:25:40
